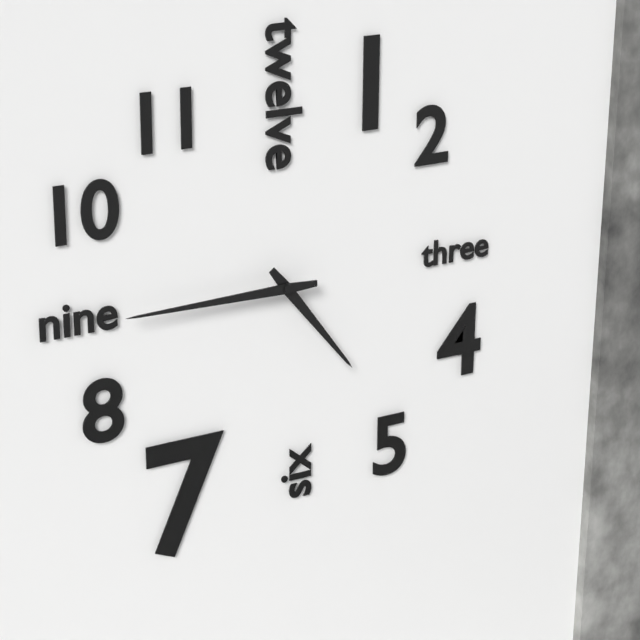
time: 4:45
